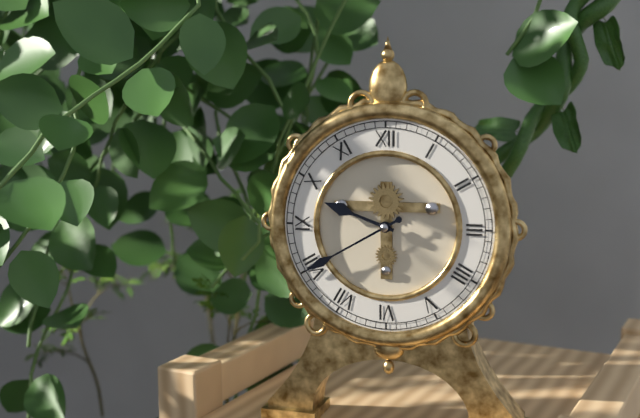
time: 9:40
